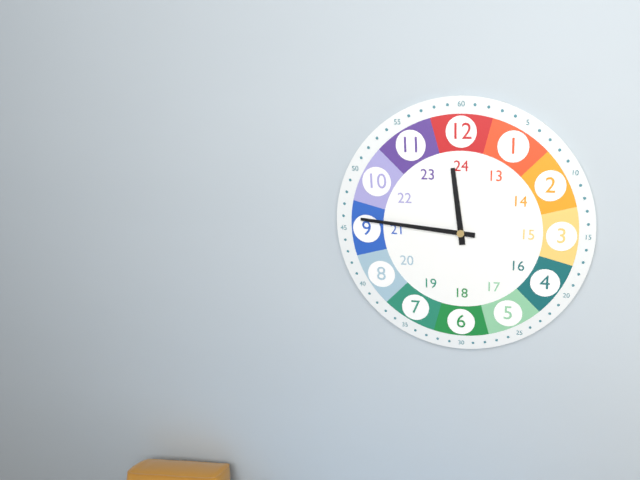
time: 11:46
